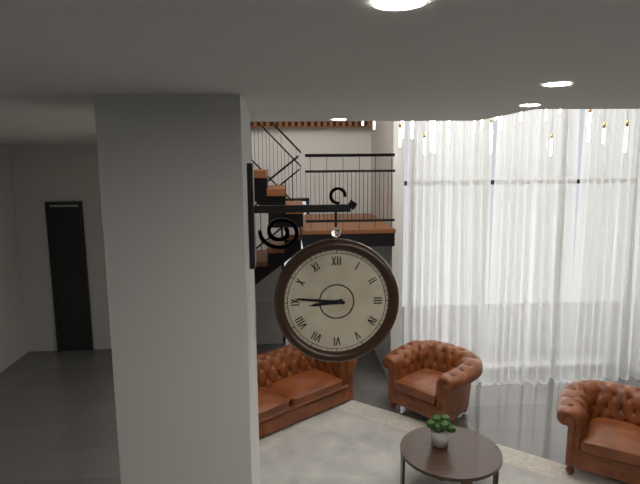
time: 8:46
